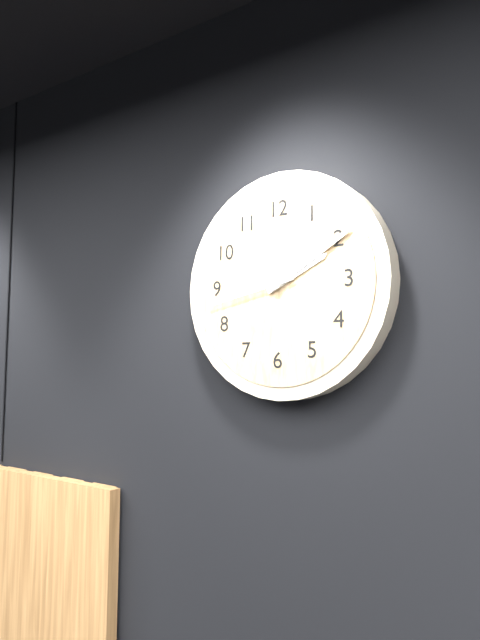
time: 2:10:43
